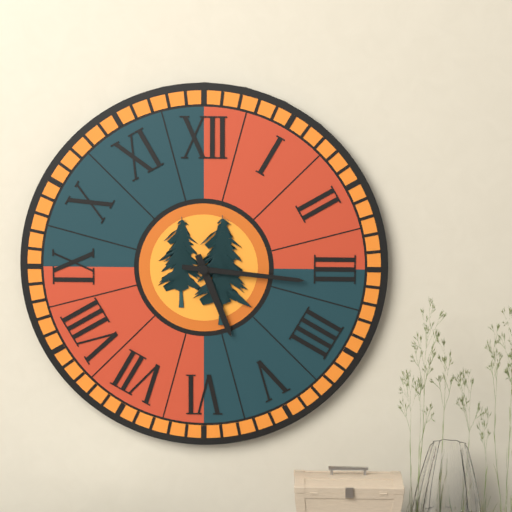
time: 5:16
